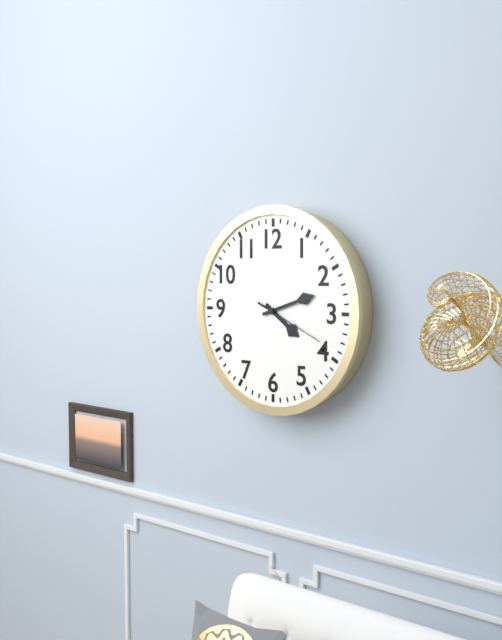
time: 4:12:19
